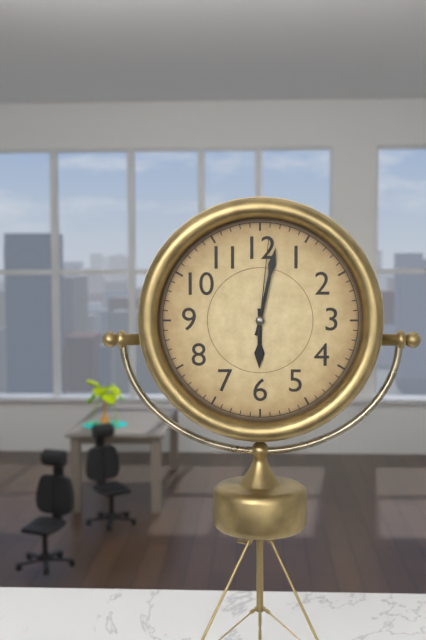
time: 6:02:01
